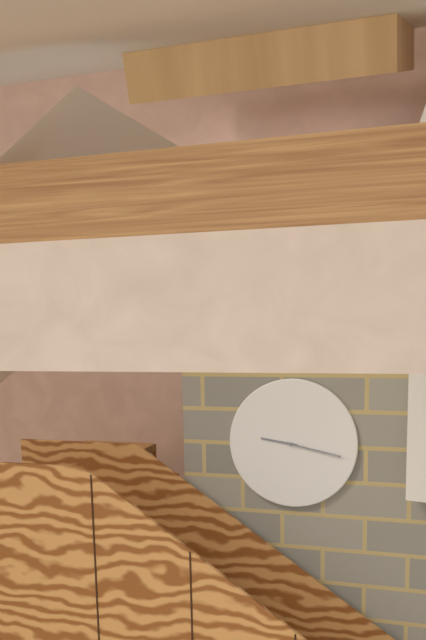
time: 9:17
